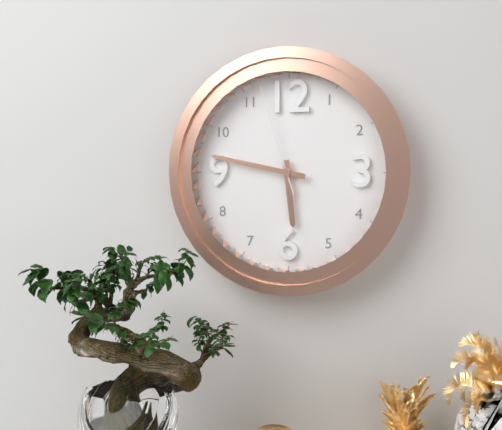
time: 5:47:57
